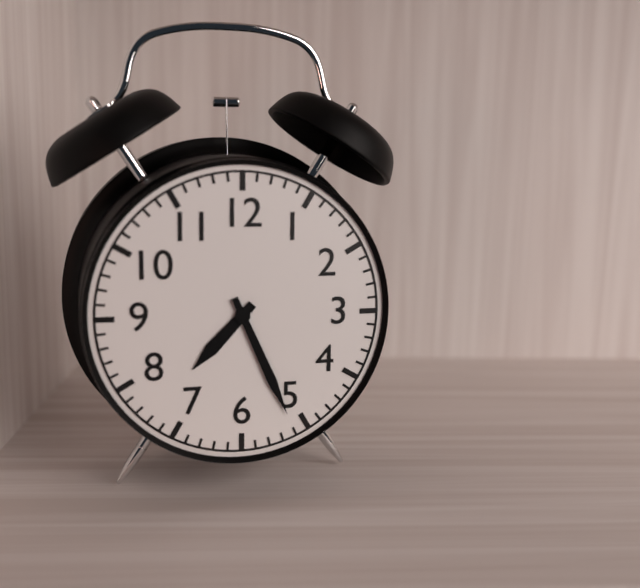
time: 7:26
